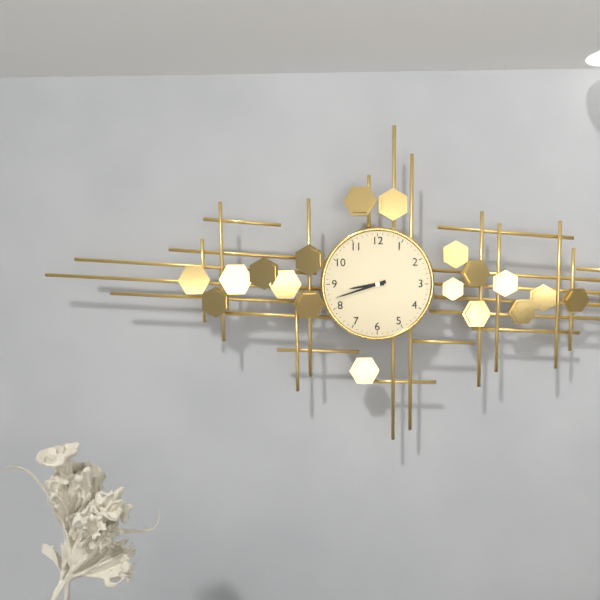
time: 8:42
